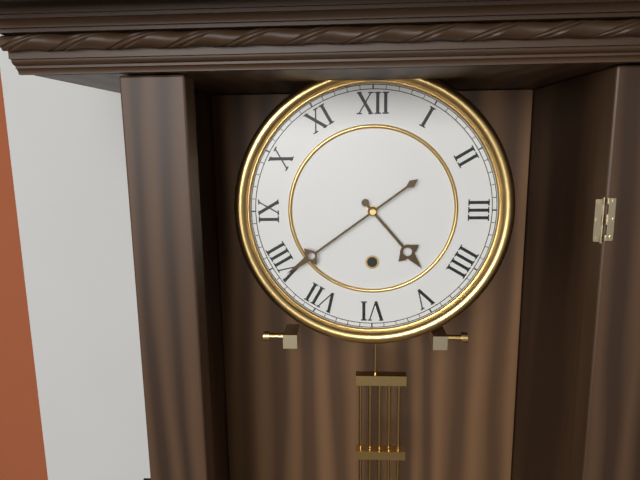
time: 4:39
